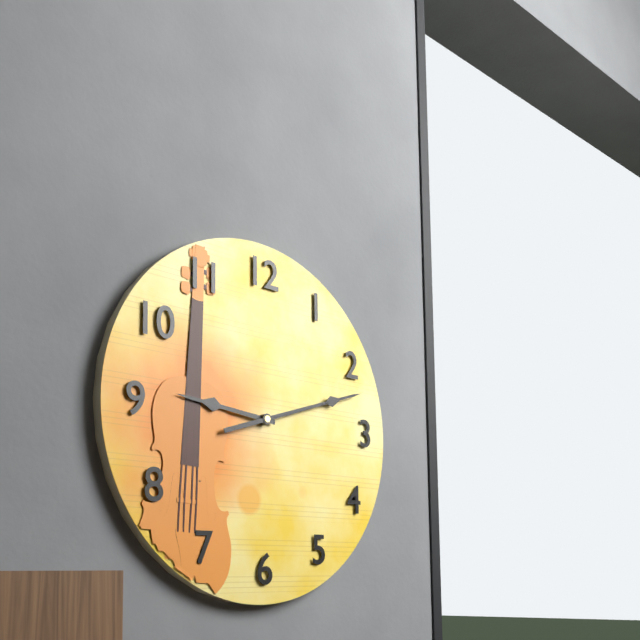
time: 9:12:12
